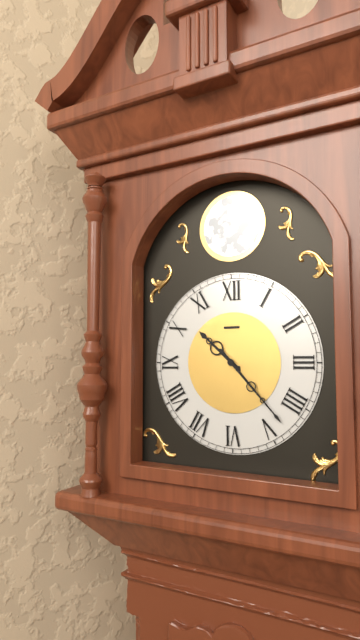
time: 10:23
